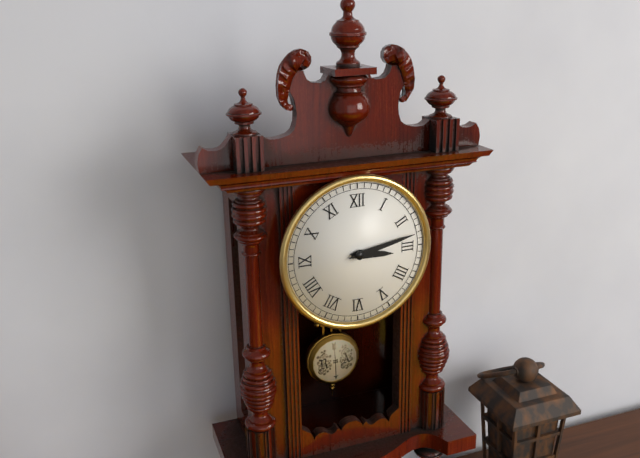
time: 3:13
